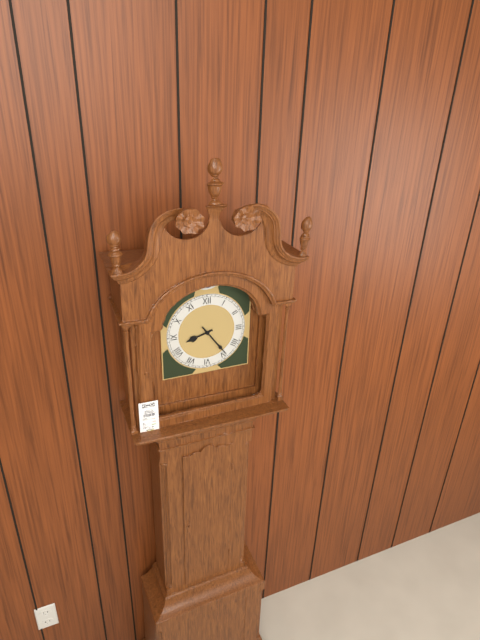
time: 8:24
